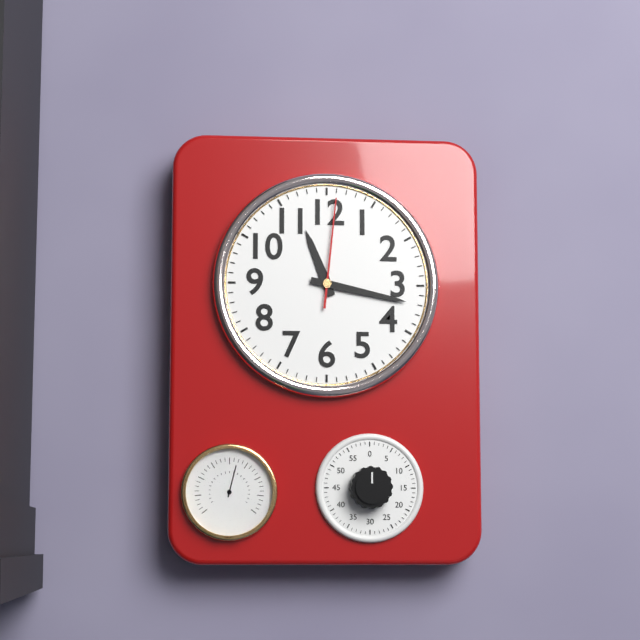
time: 11:17:01
